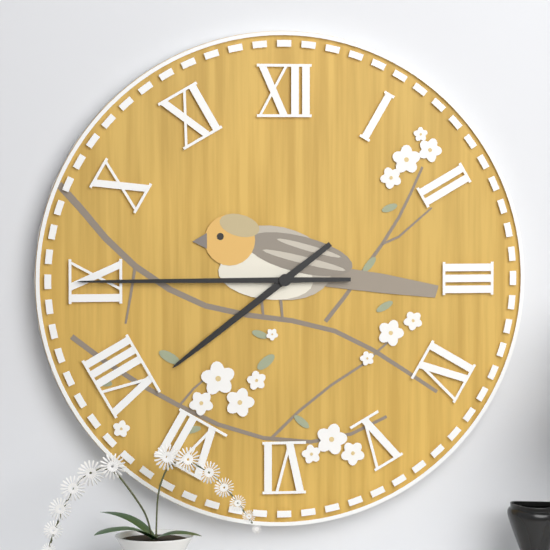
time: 7:45
